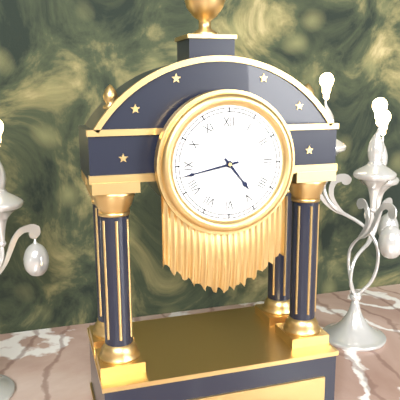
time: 4:43
